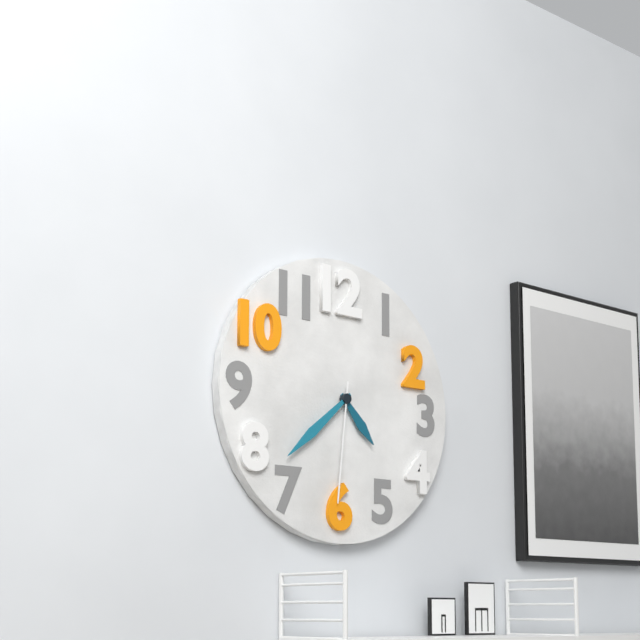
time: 4:38:31
